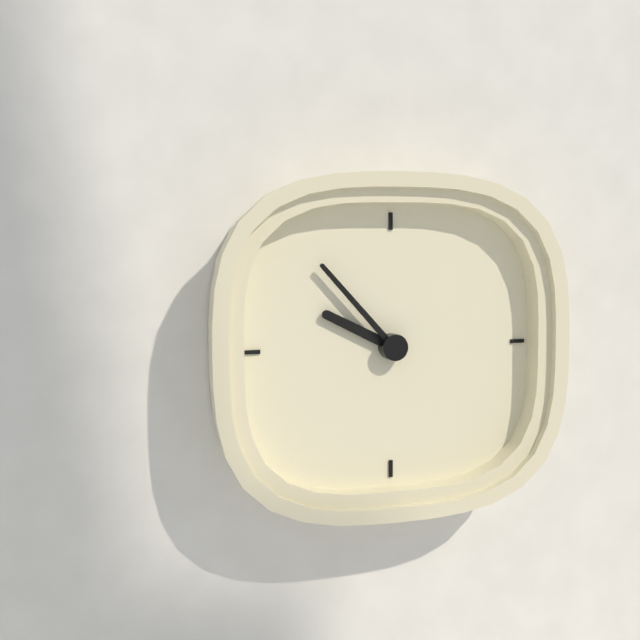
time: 9:53
